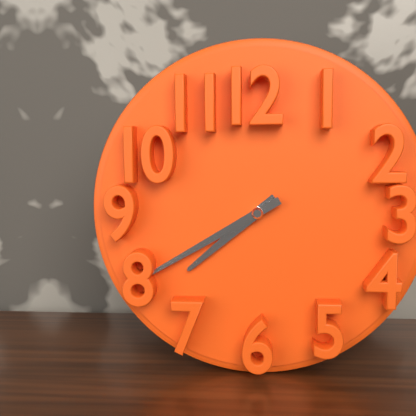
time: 7:40
